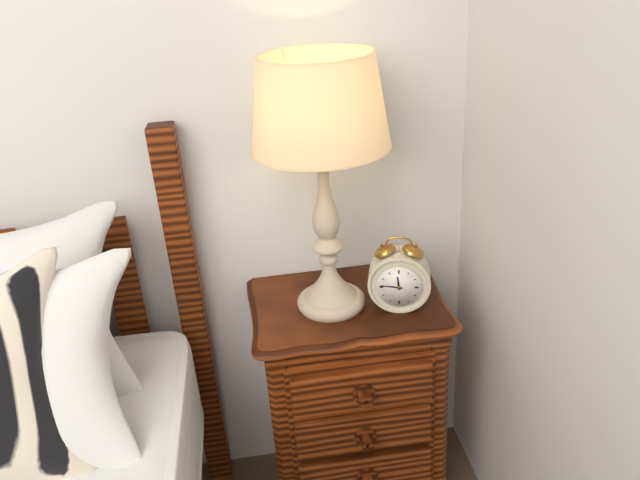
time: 11:46
